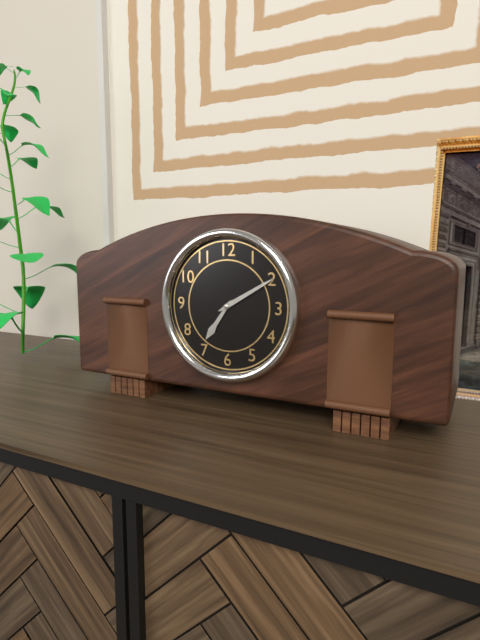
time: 7:10
